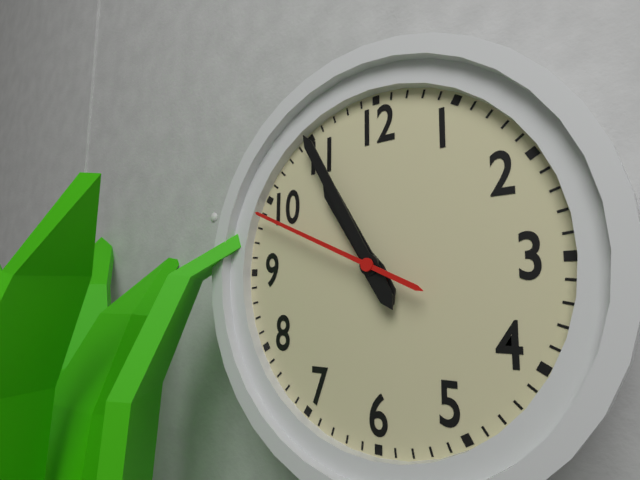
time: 10:55:49
